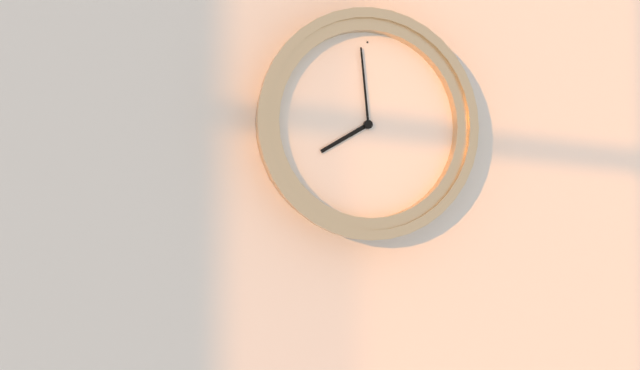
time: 7:59
